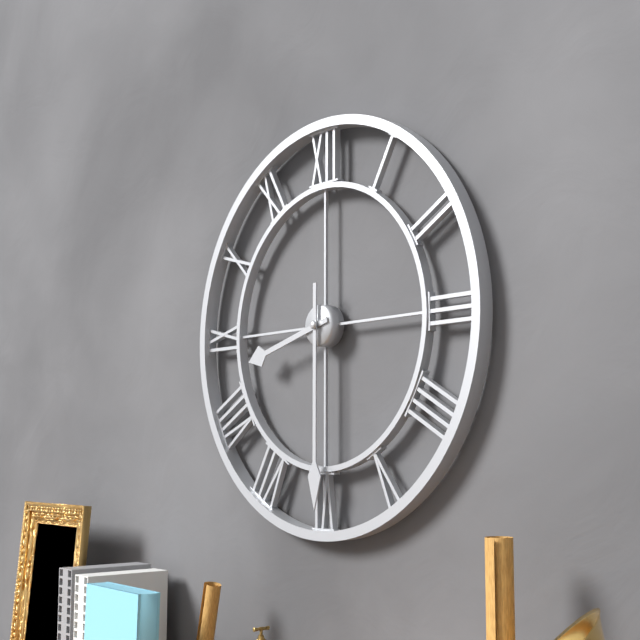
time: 8:30
